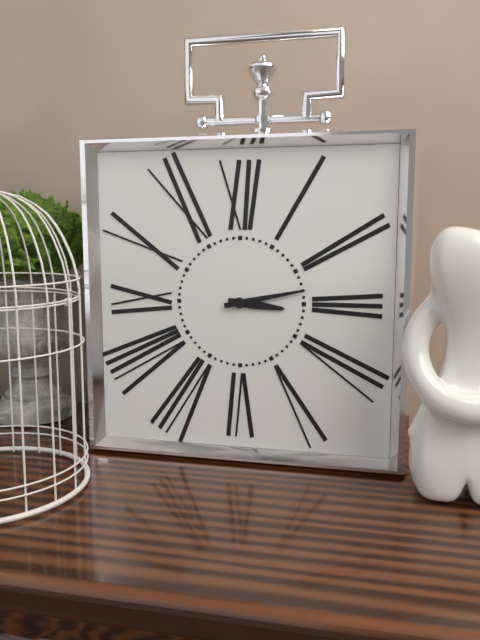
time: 3:13
